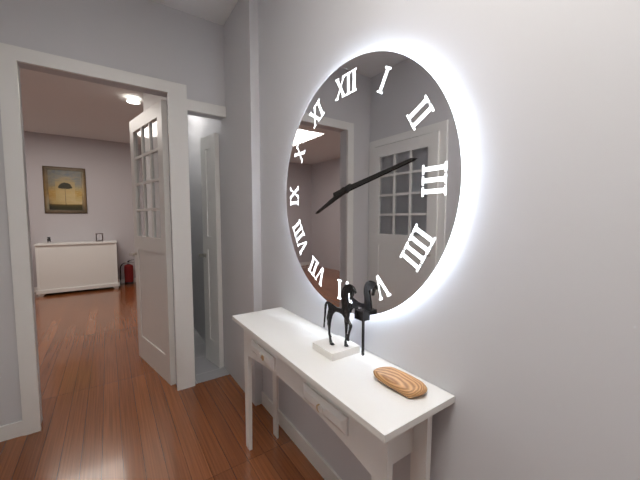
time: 8:13
